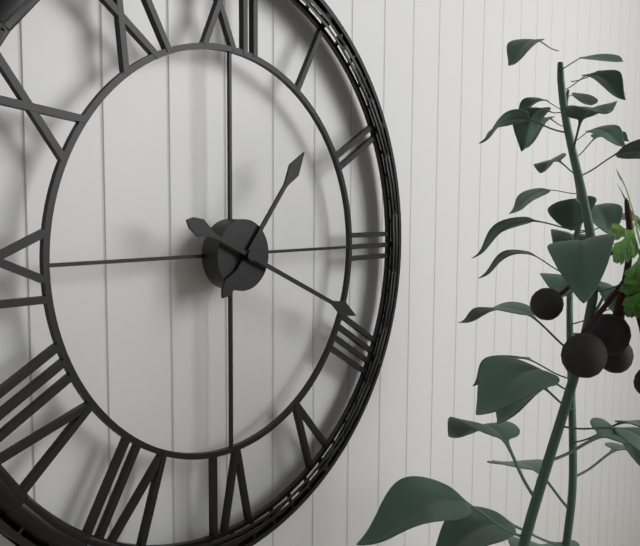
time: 1:19
